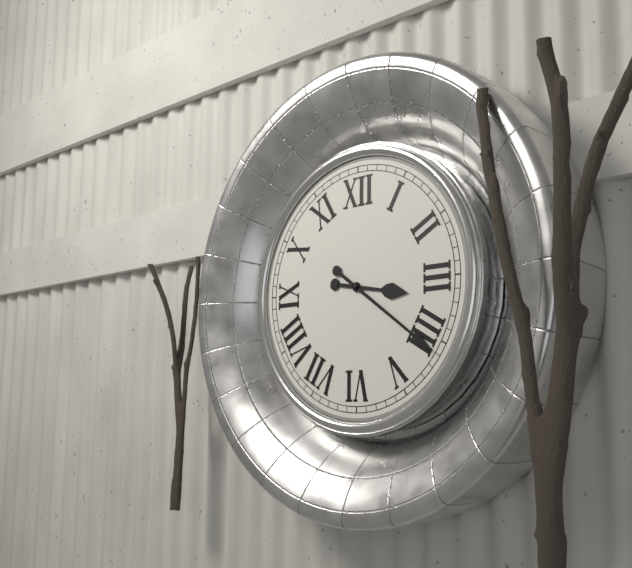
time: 3:21
